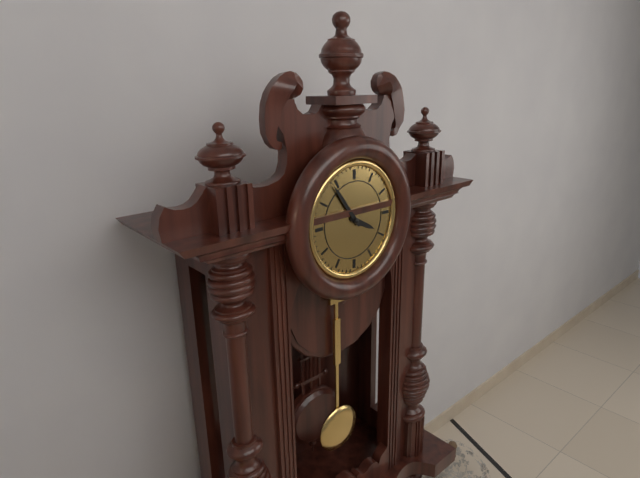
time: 3:54
